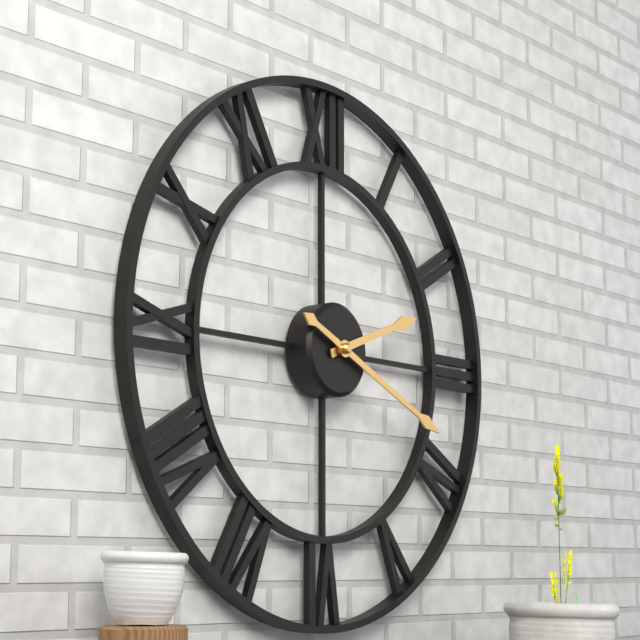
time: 2:19
